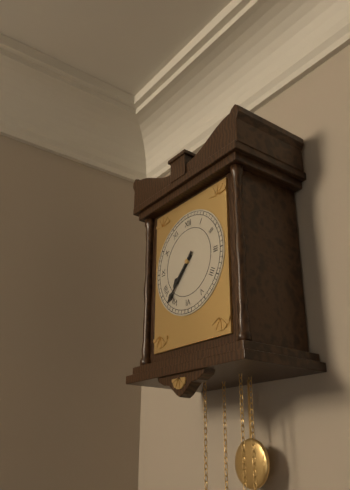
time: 7:37
